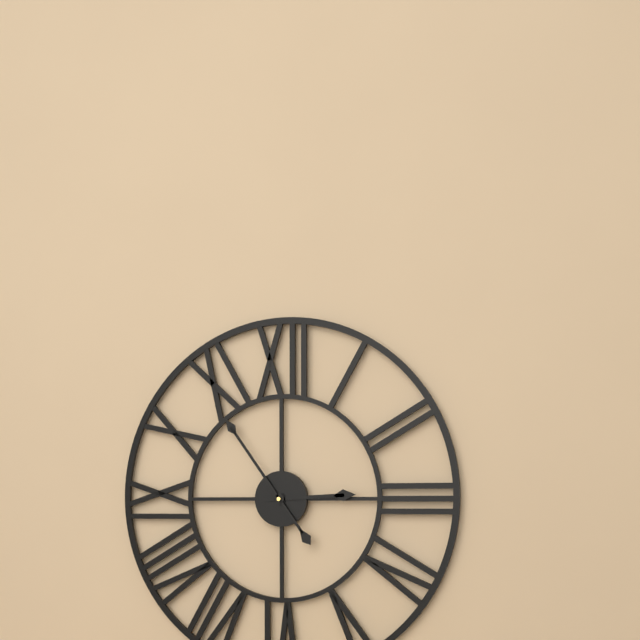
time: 2:54
